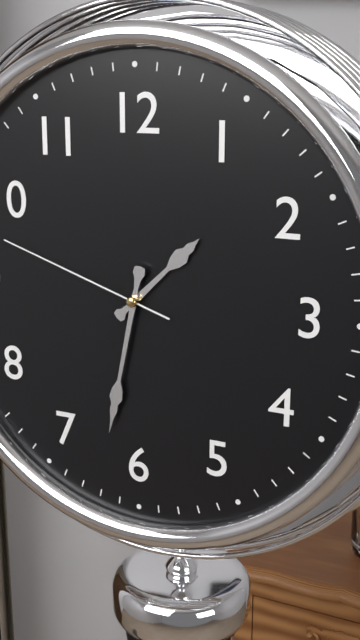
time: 1:32:48
